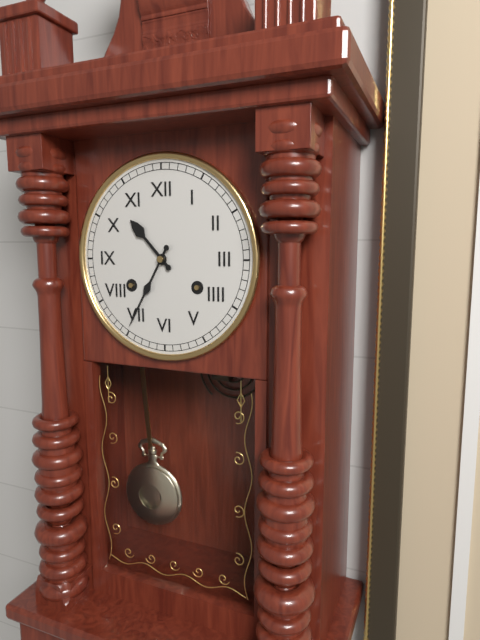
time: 10:35
